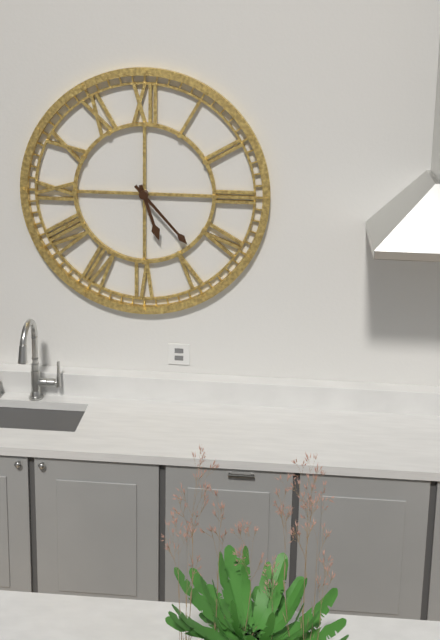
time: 5:23
